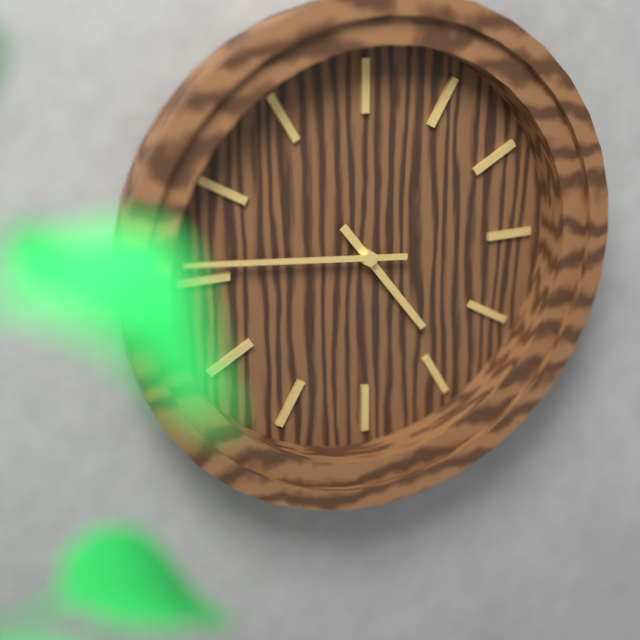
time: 4:46
